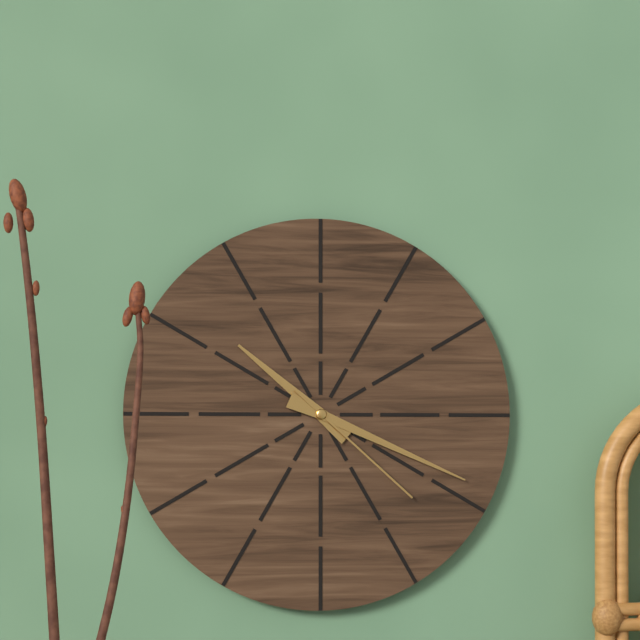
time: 10:19:22
